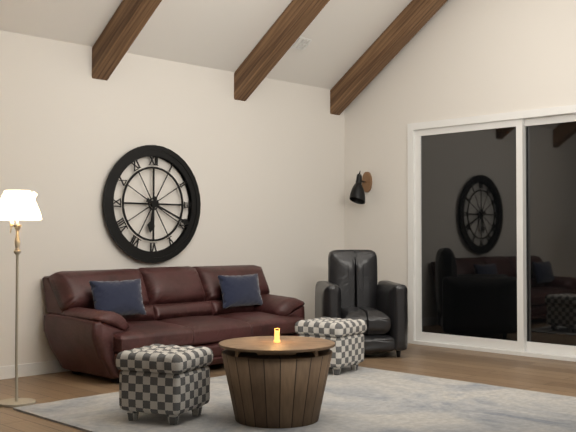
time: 6:19
